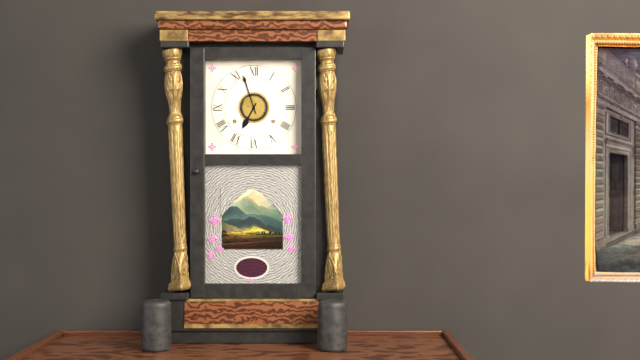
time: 6:57
